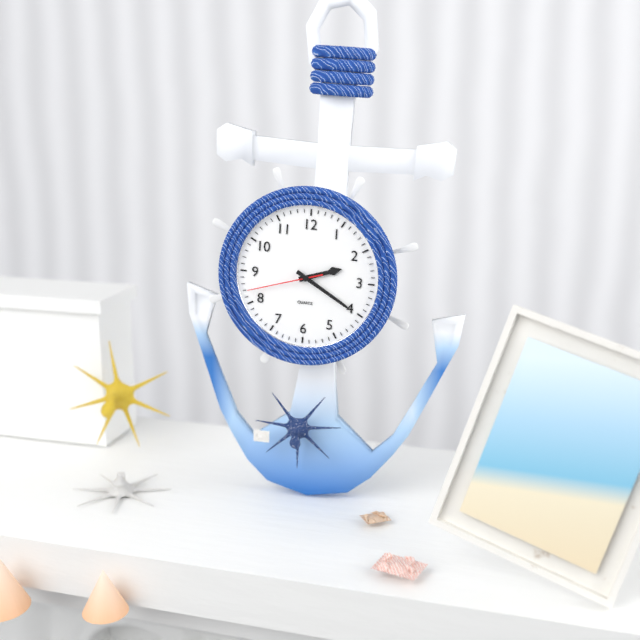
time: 2:20:42
